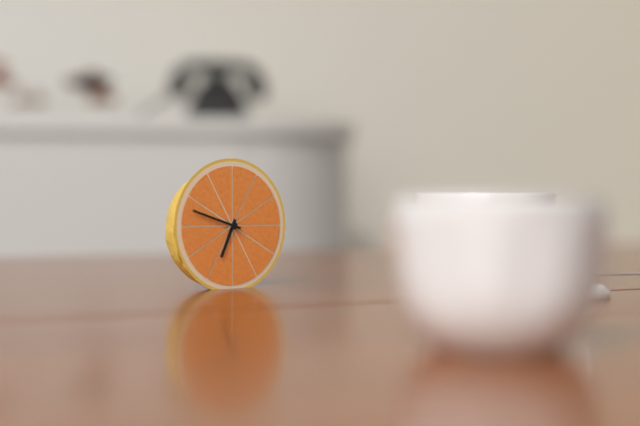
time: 6:48
